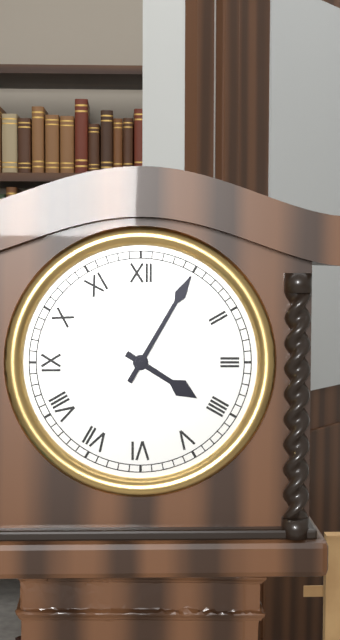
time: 4:05
